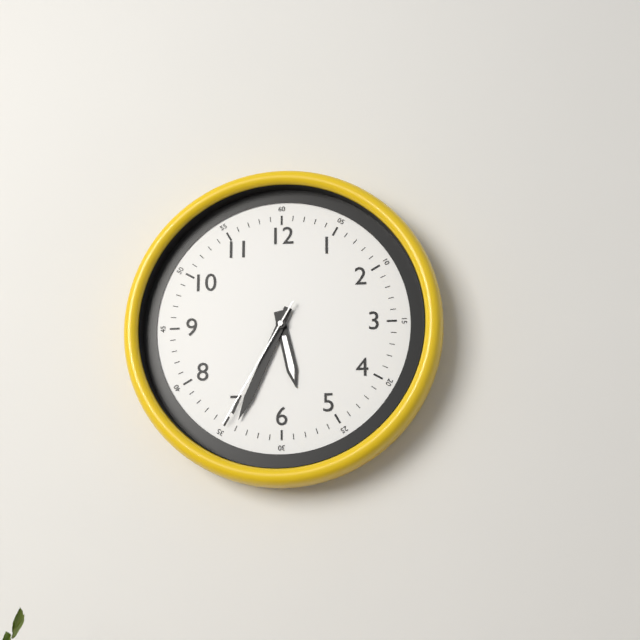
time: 5:34:35
